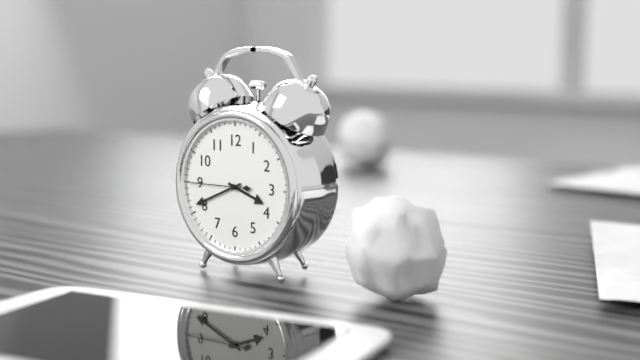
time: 3:41:45
